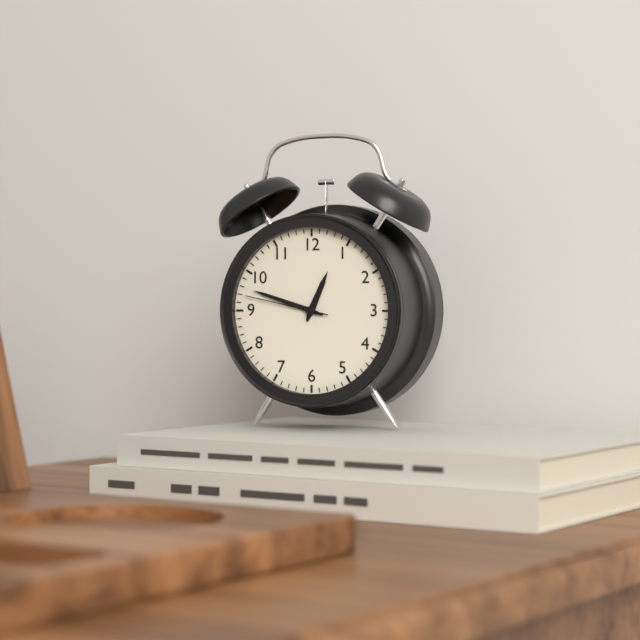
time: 12:48:47
